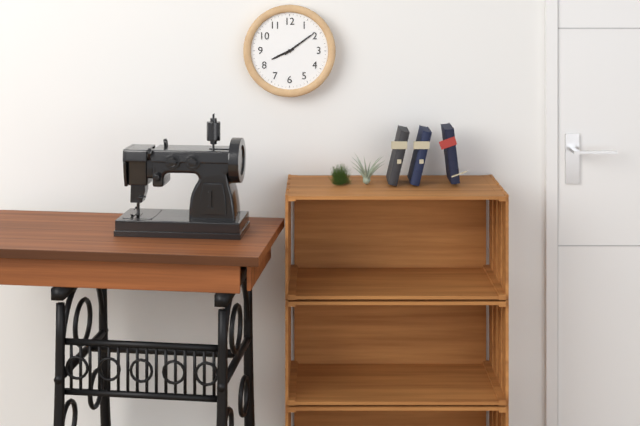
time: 8:09
